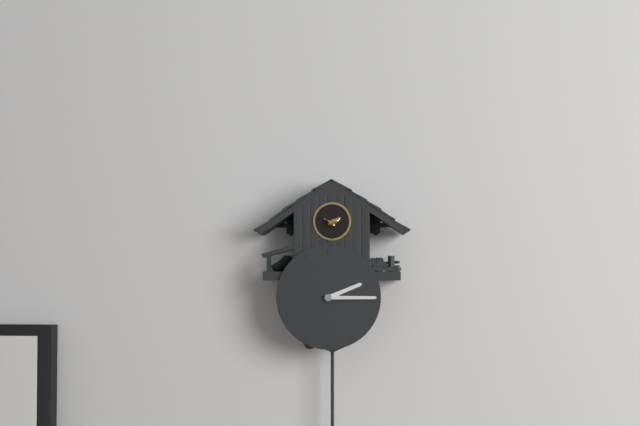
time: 2:15
